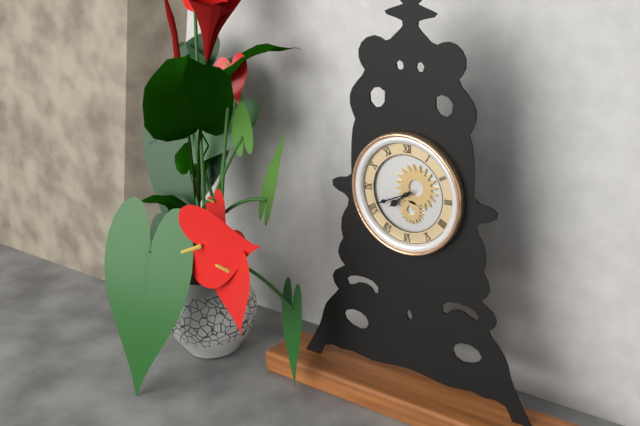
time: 7:41
